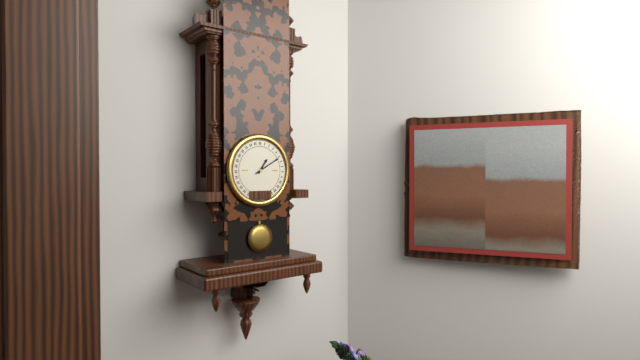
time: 1:10
